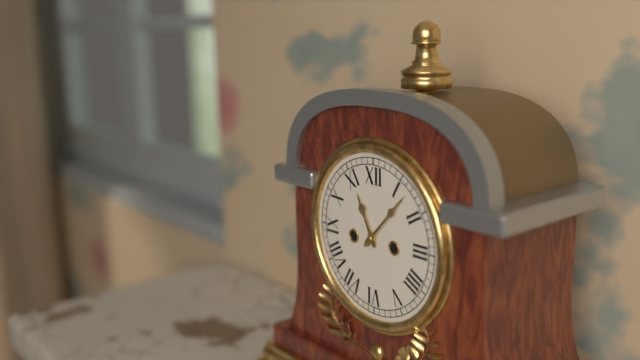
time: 11:07
